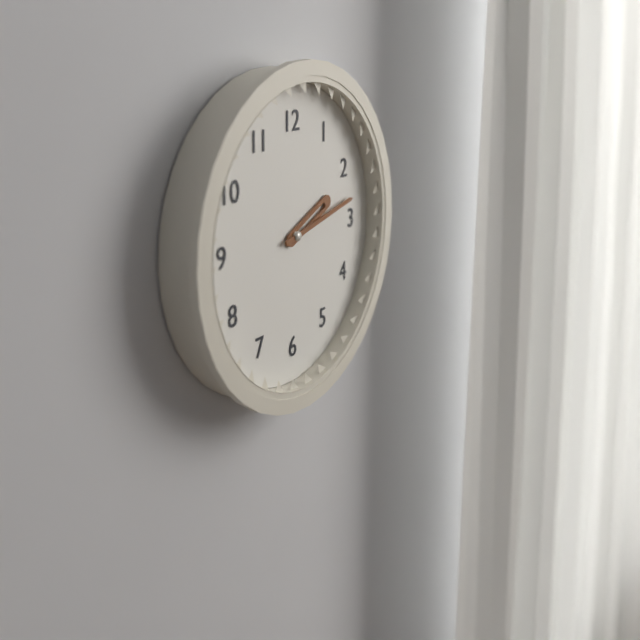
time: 2:13
